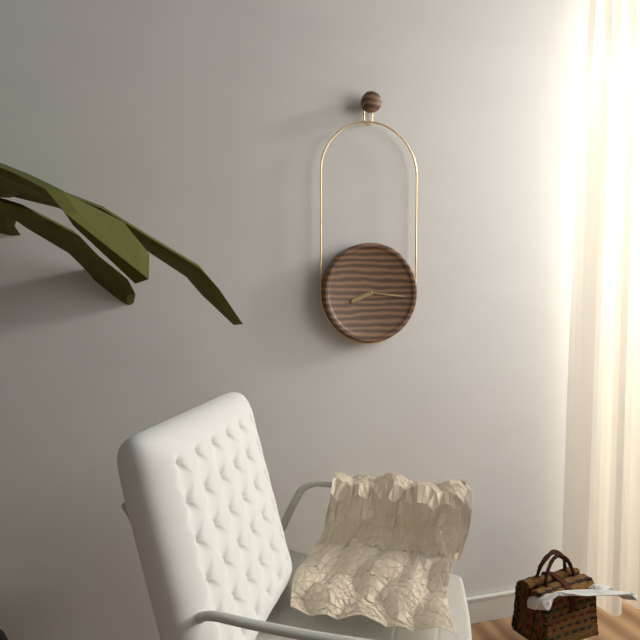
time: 8:16
